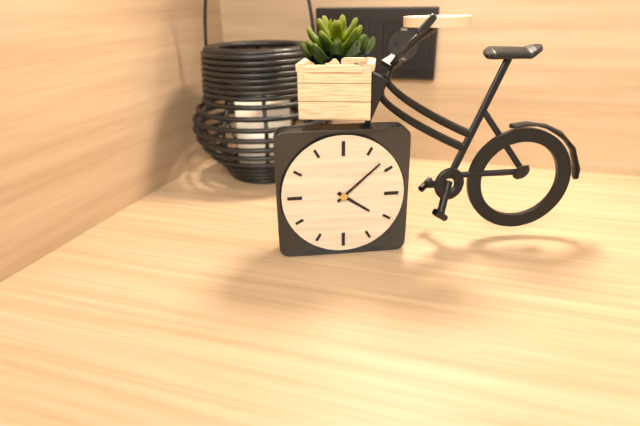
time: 4:08
